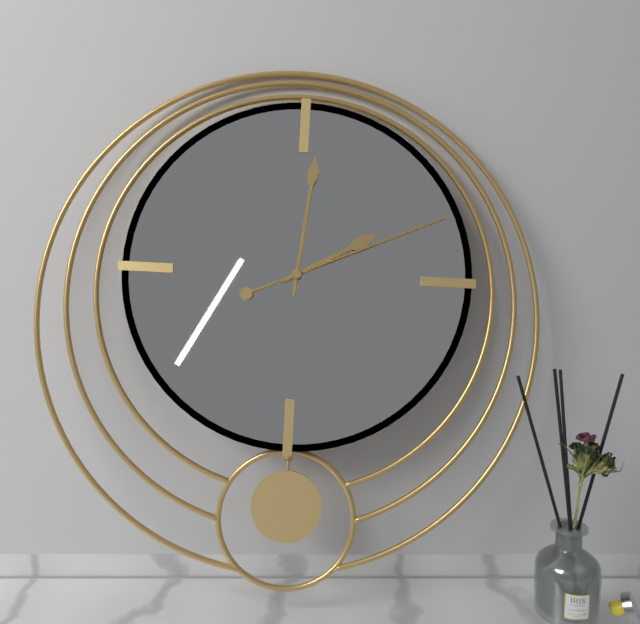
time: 2:01:11
